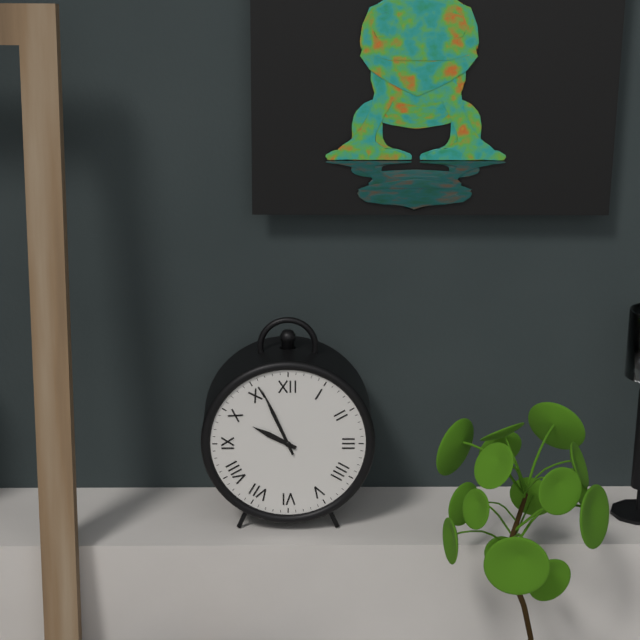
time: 9:56
